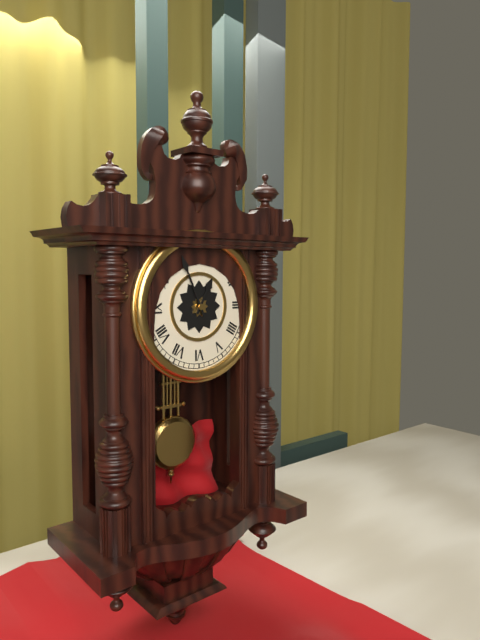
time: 12:56
